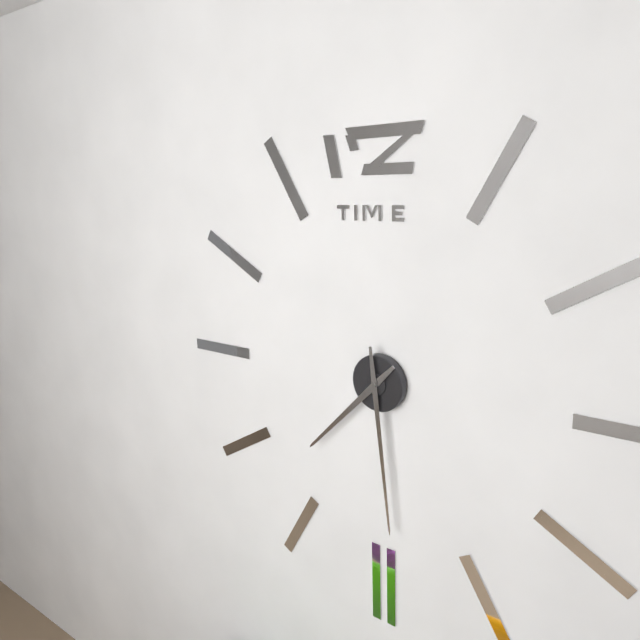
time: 7:29
